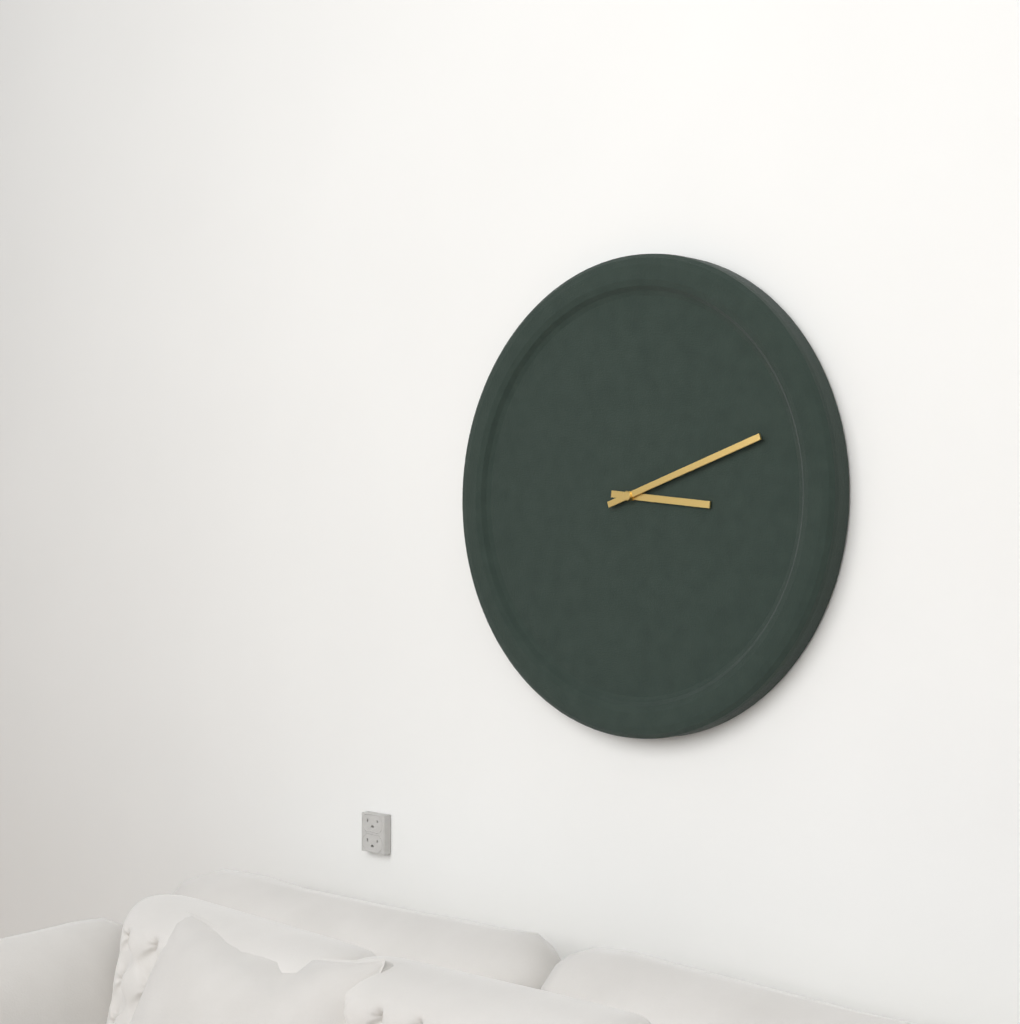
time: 3:12
